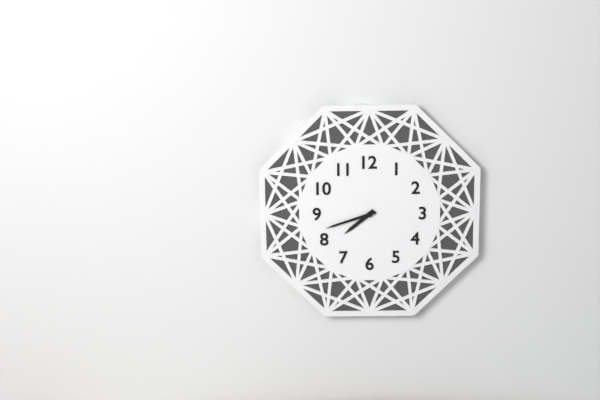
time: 7:42
